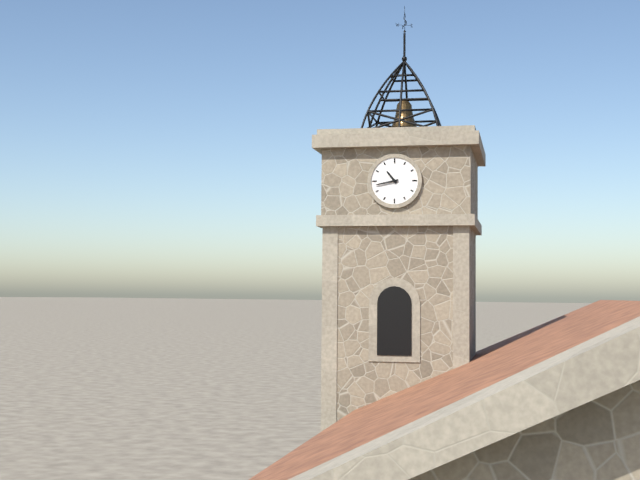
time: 10:43
